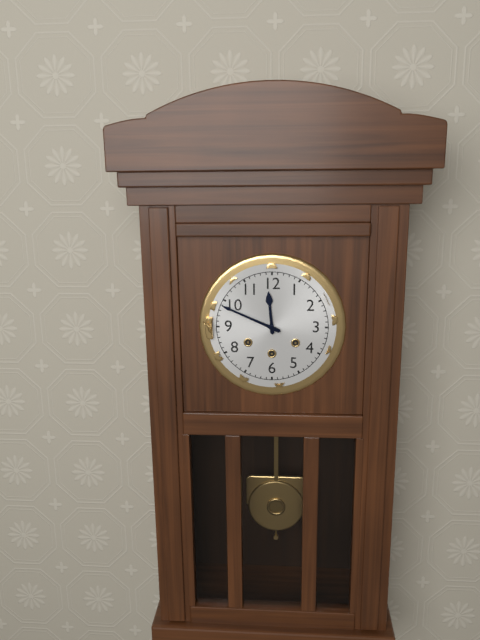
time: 11:49
